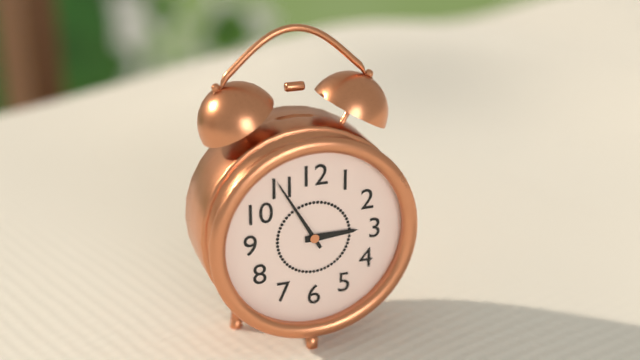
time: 2:55
